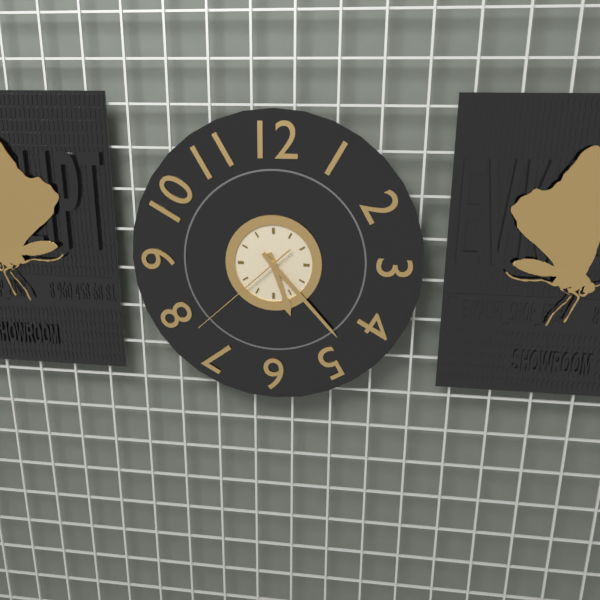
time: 5:23:38
